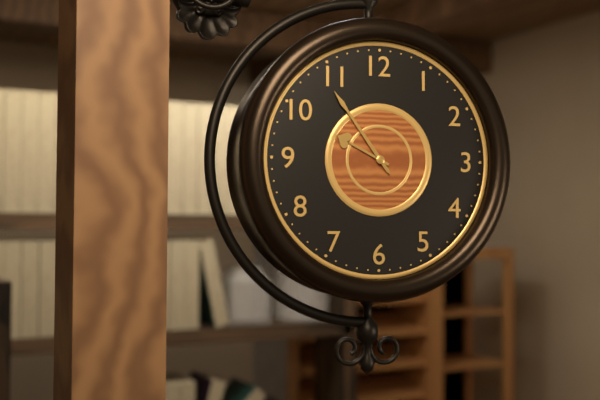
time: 9:54
